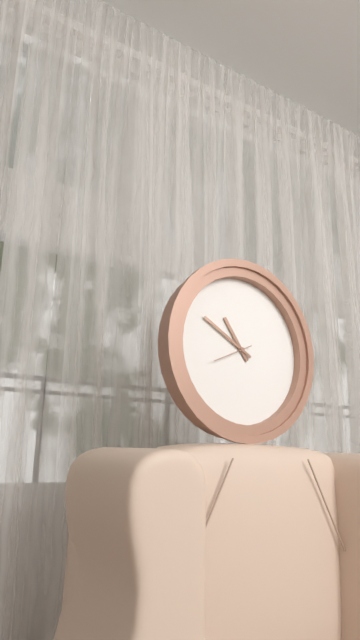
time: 10:50
